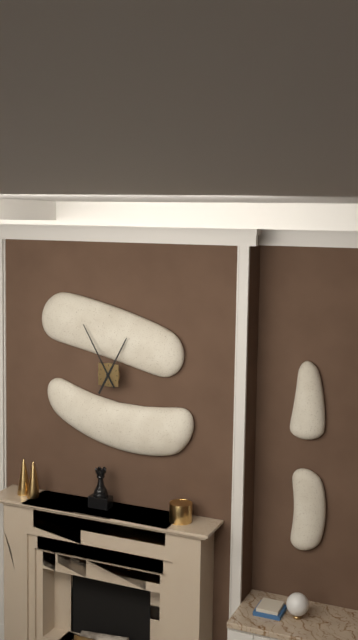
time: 12:55
